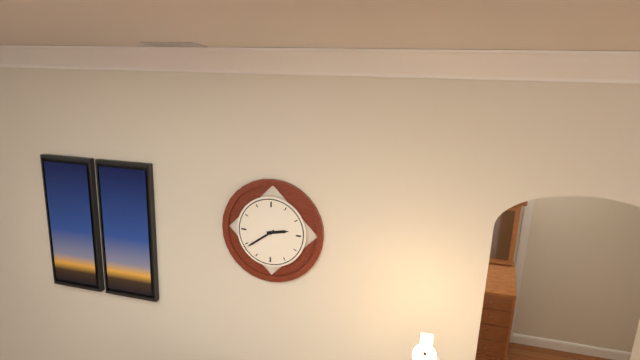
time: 2:39
